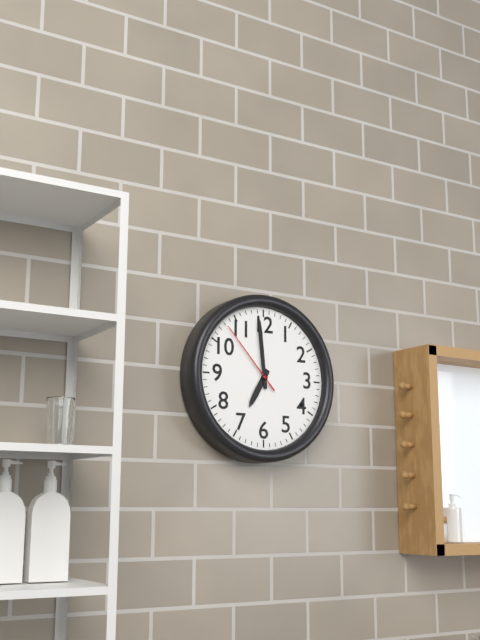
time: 6:59:53
